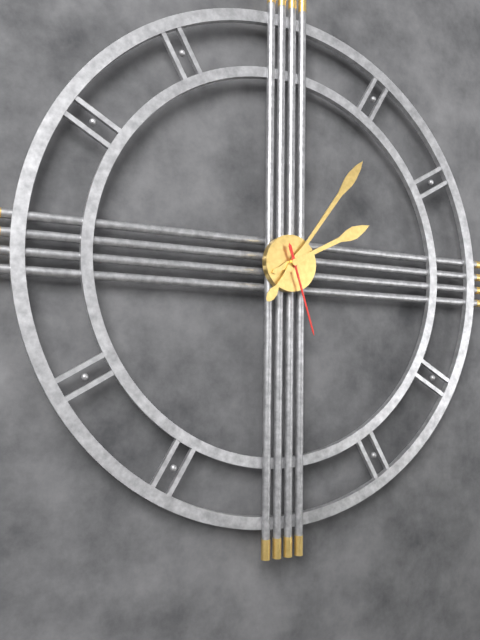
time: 2:06:27
